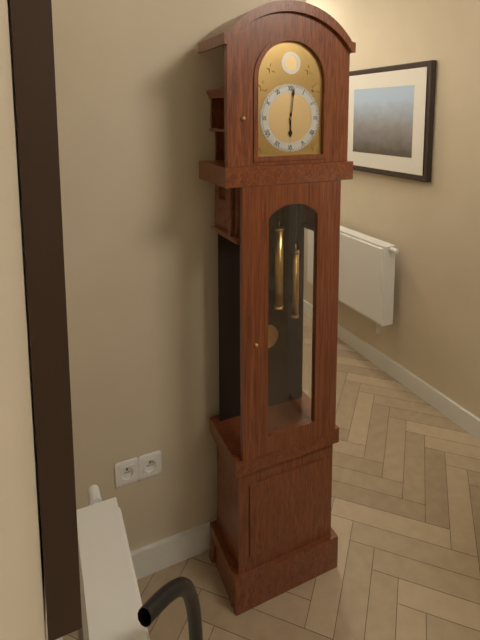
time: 6:01
